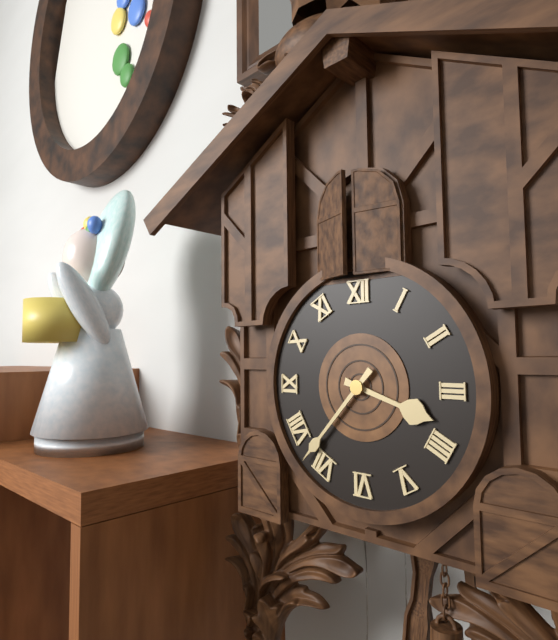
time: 3:37
